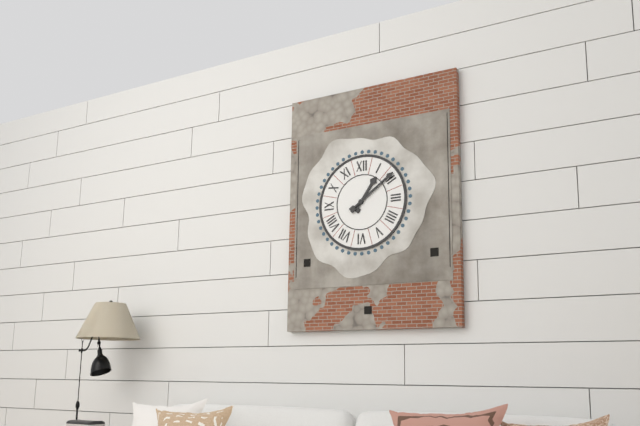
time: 1:09
